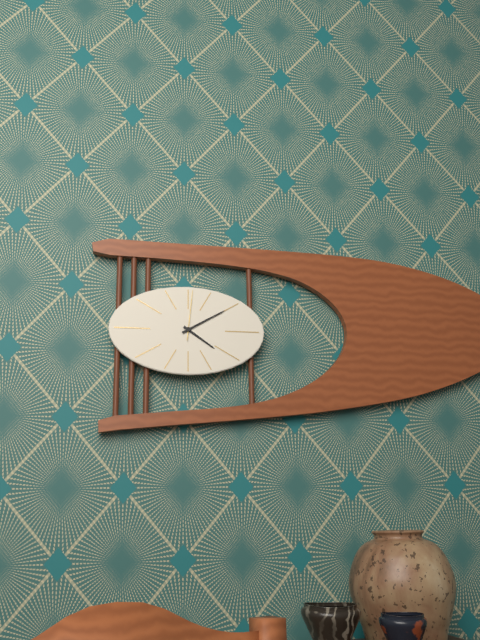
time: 4:10:01
